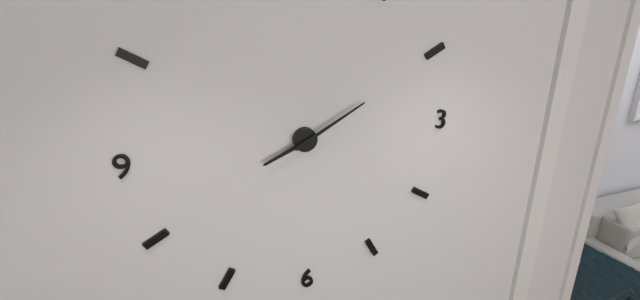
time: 8:10
